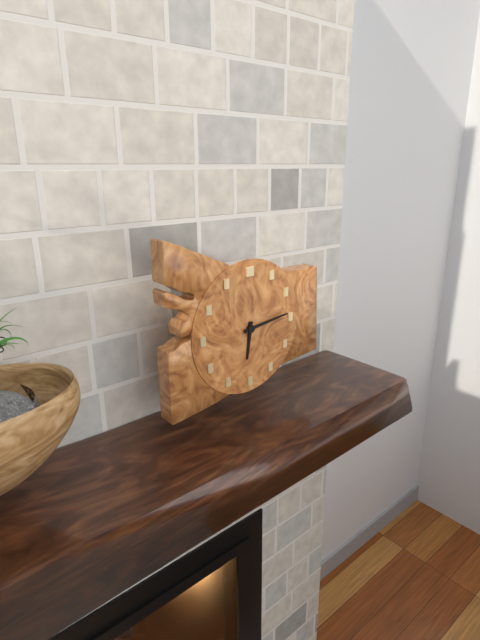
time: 6:14
